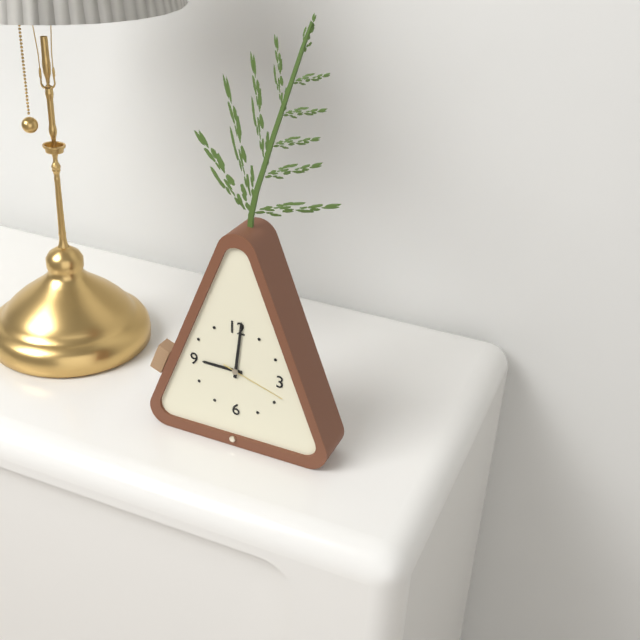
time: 9:01:18
